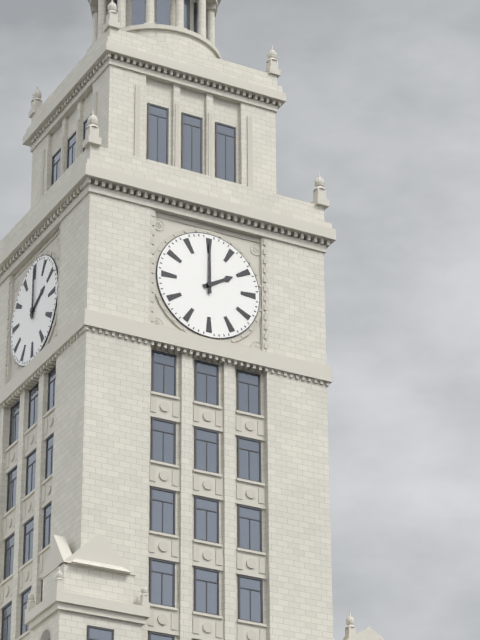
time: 2:00
